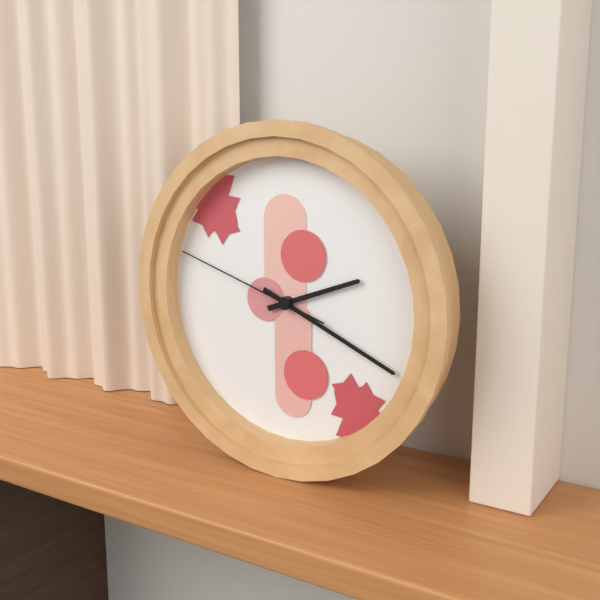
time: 2:19:48
